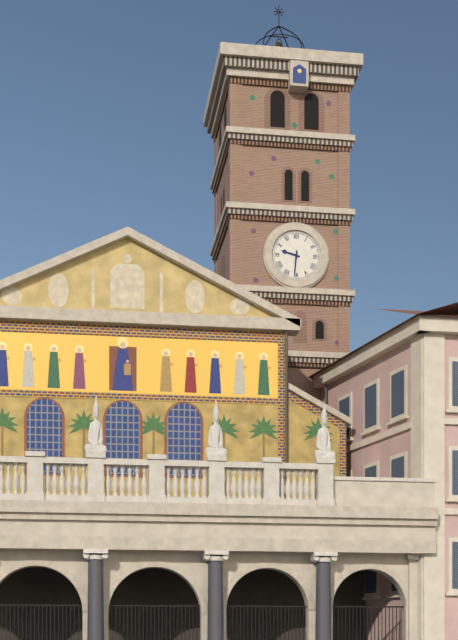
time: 9:31
